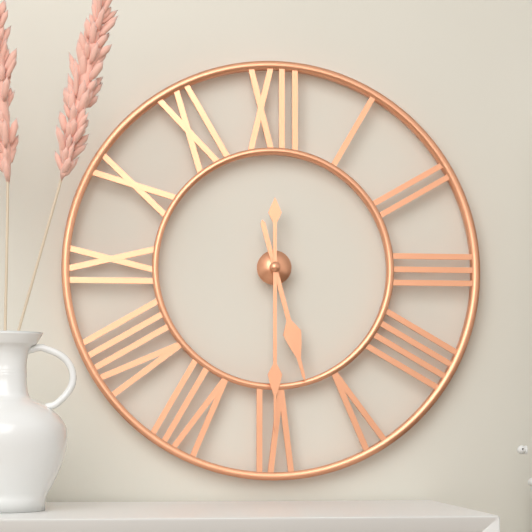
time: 5:30
